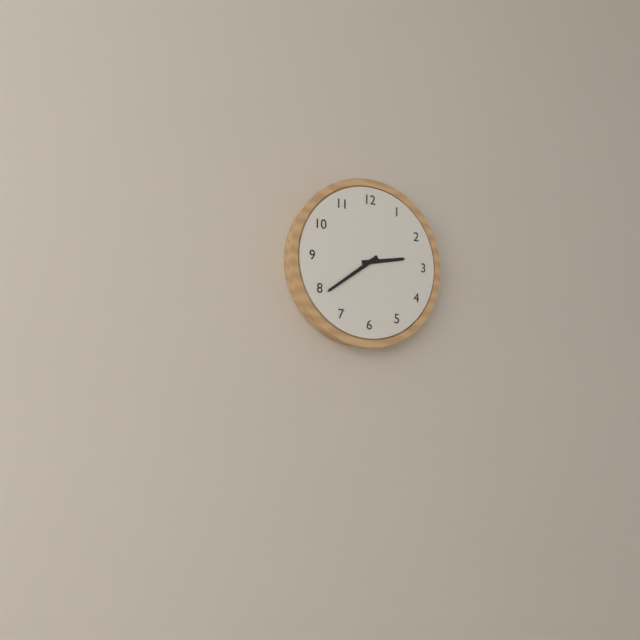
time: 2:39
